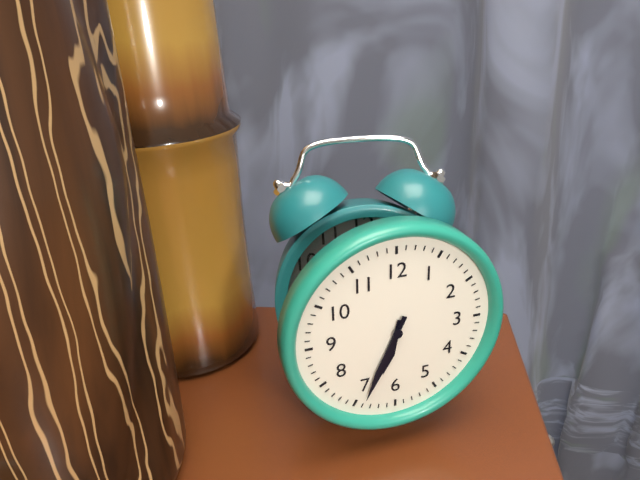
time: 6:34
